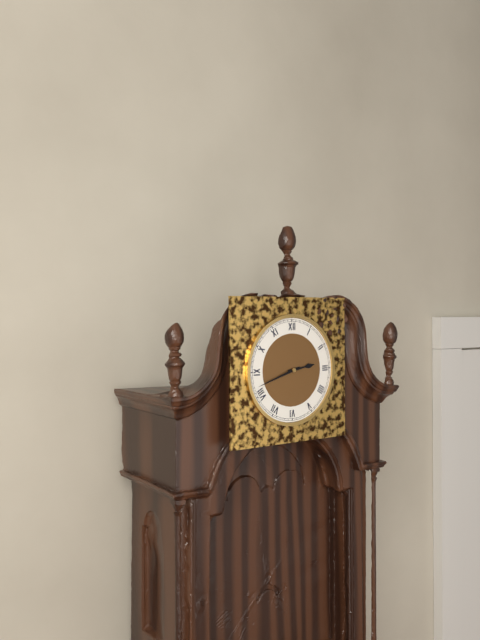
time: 2:42
